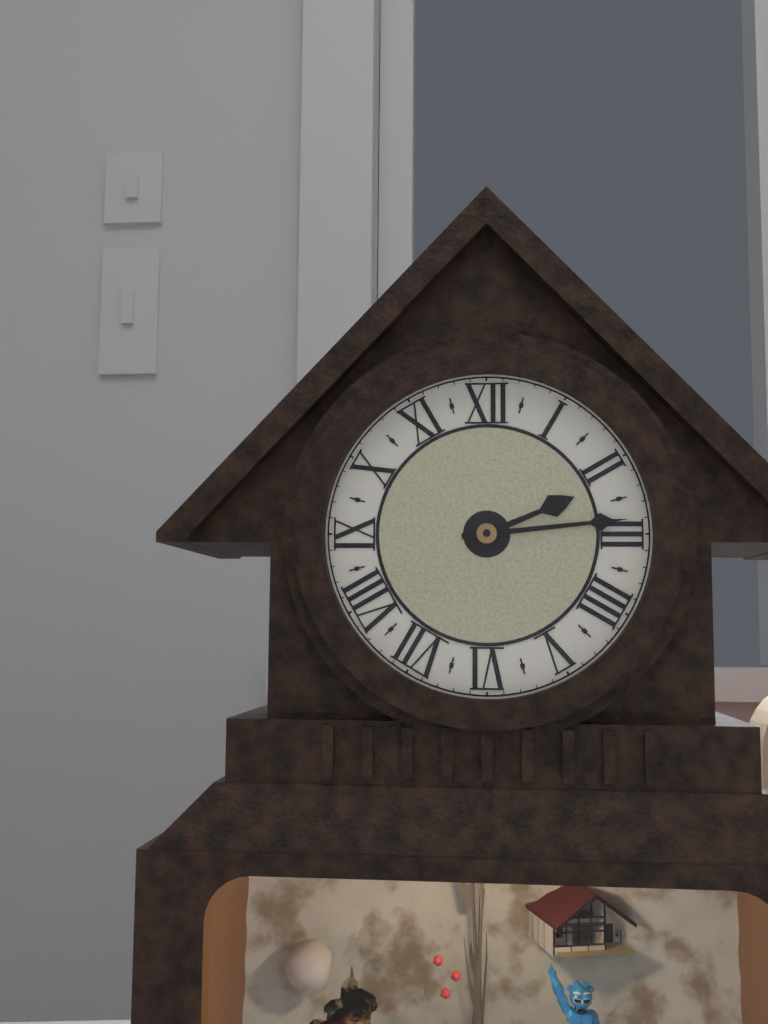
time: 2:14
